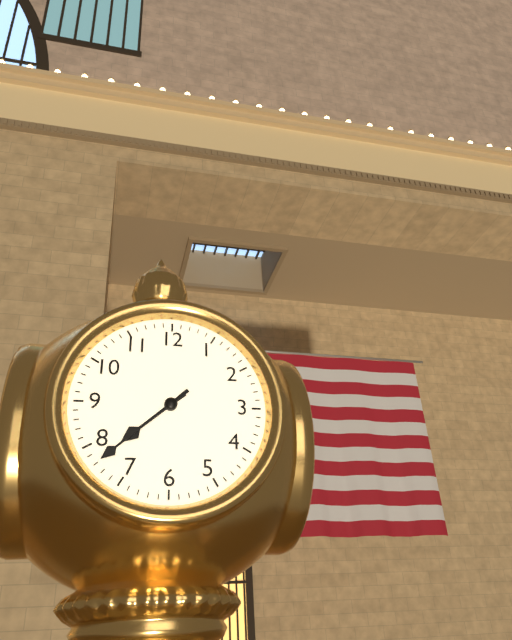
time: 7:38
